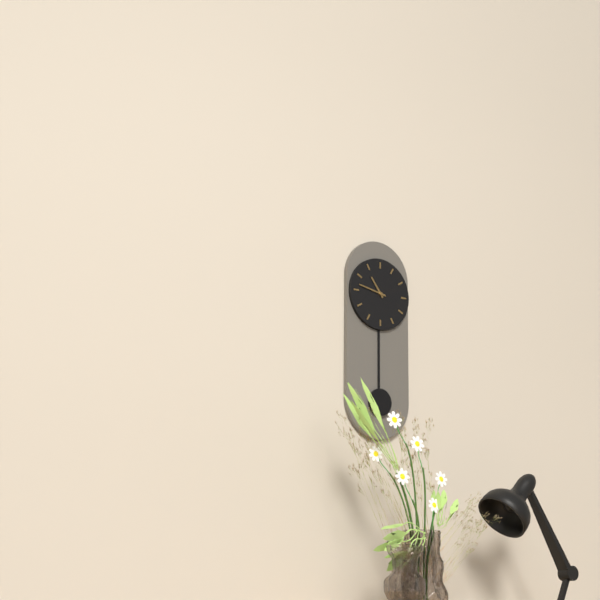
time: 10:47
